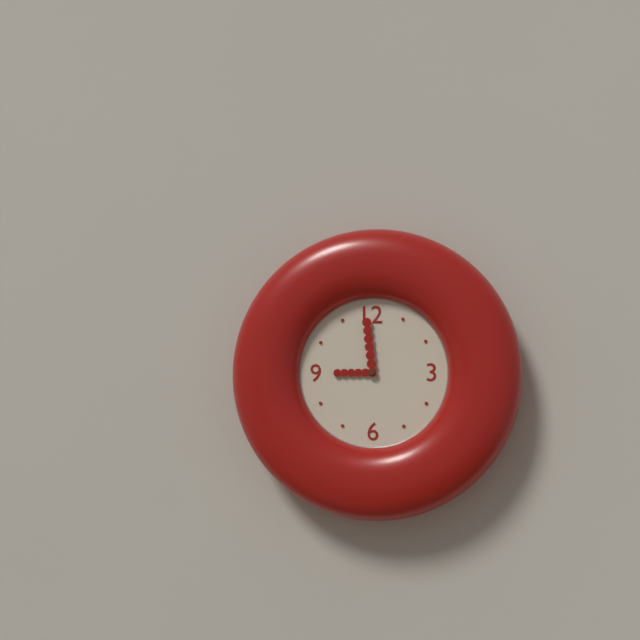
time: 8:59
